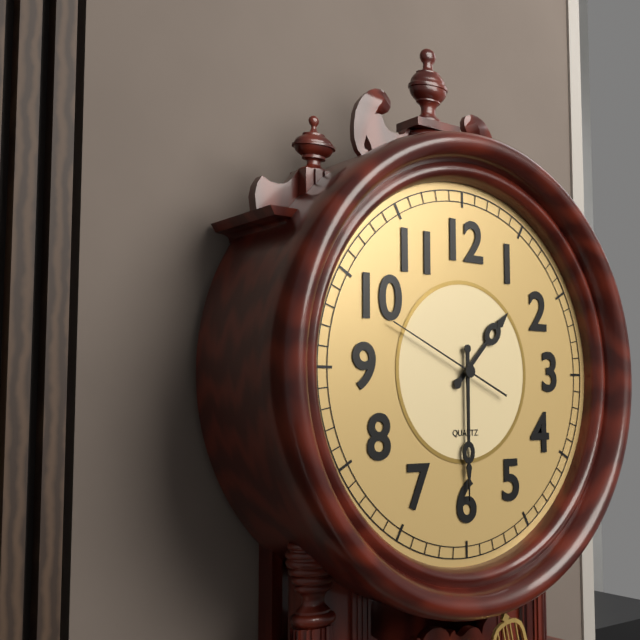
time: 1:30:49
